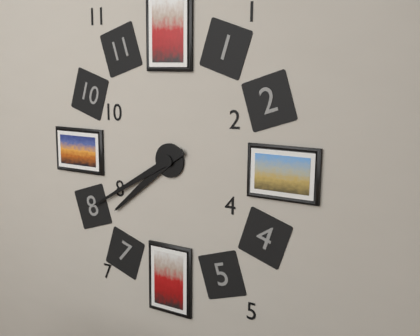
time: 7:40
